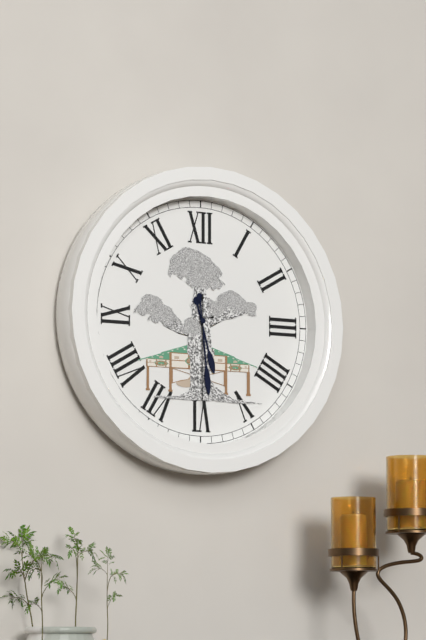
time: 5:29:30
